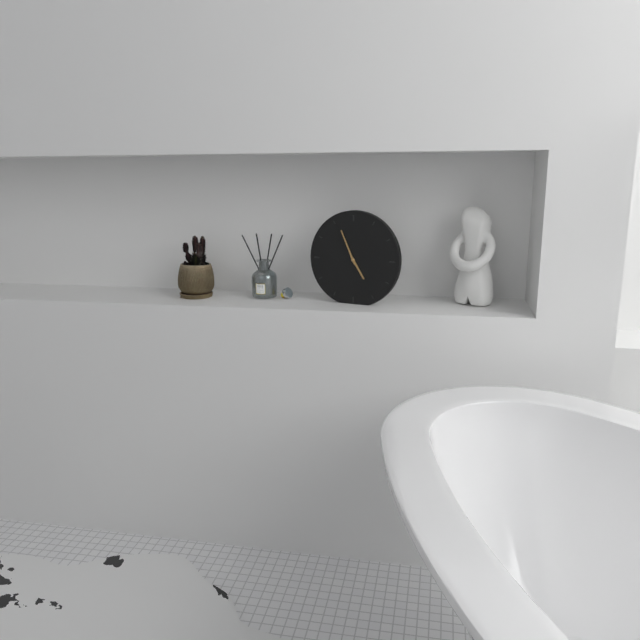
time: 4:56
